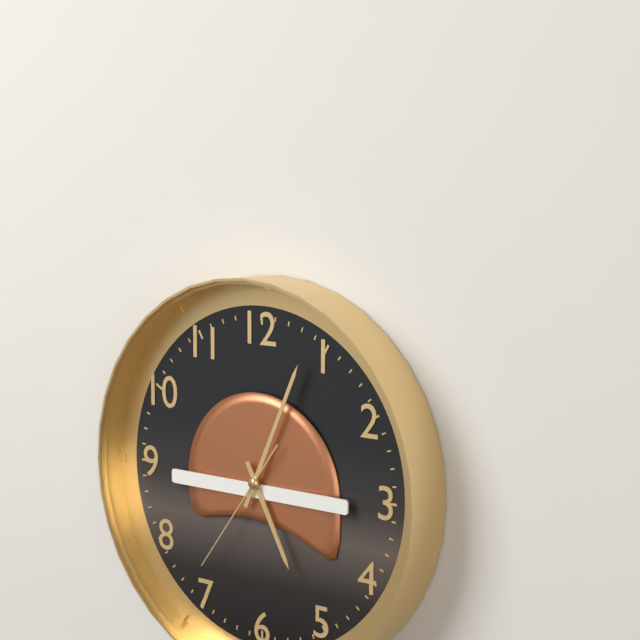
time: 5:04:36
